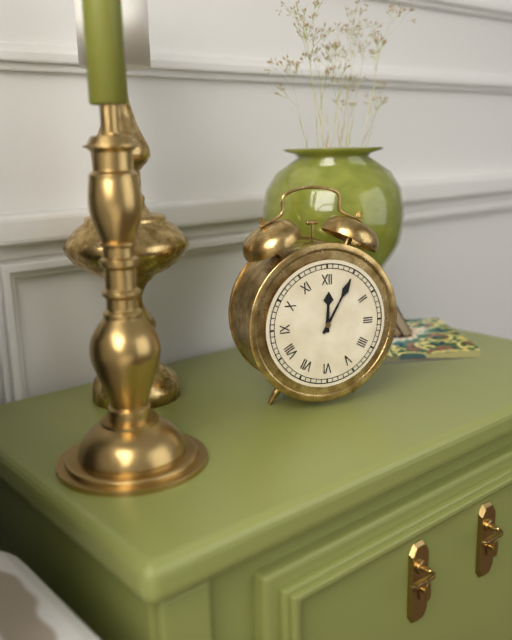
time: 12:05
